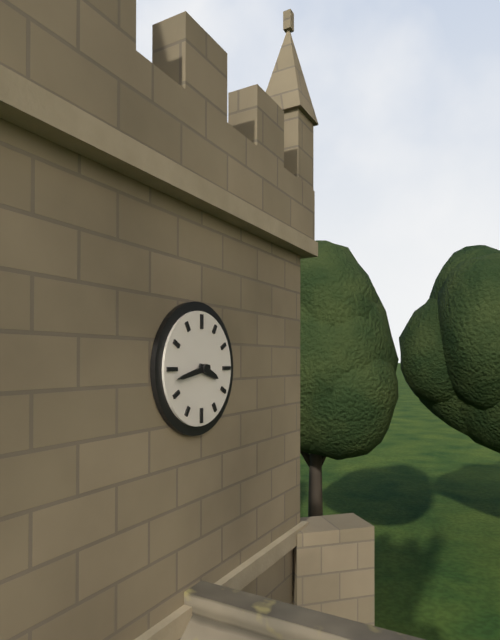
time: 3:43
